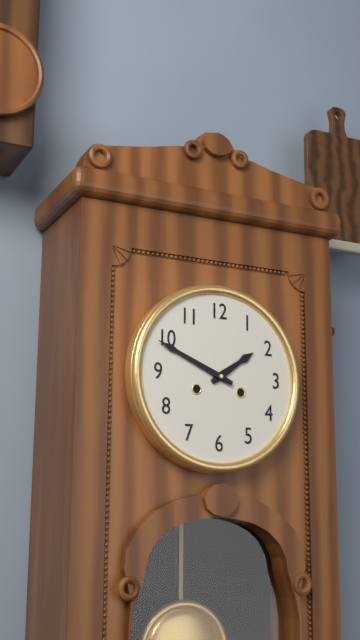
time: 1:49
